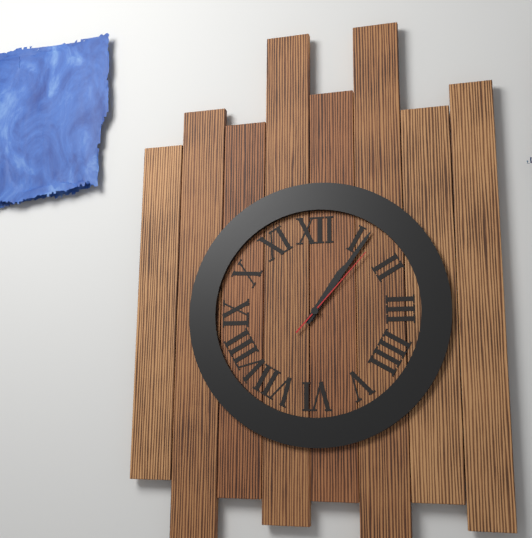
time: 1:06:07
